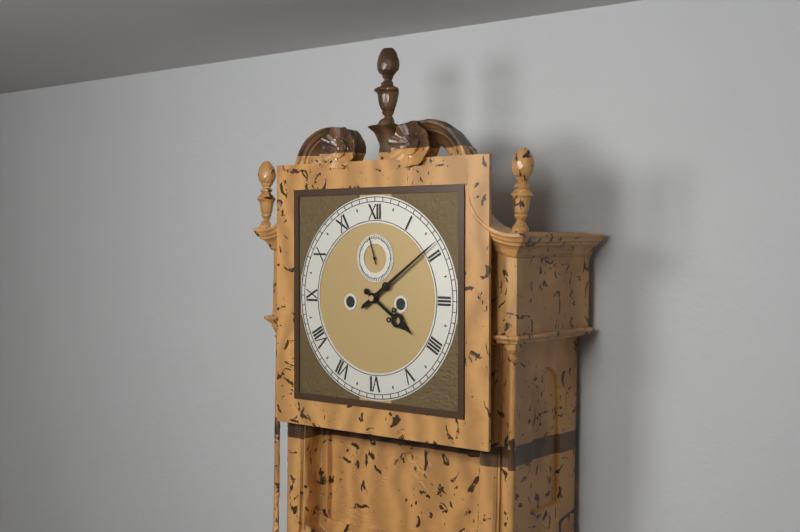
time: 4:09
